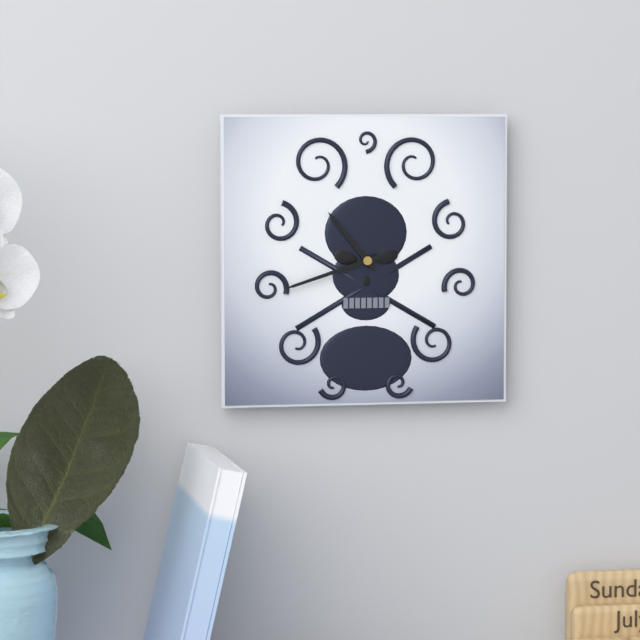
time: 10:42
